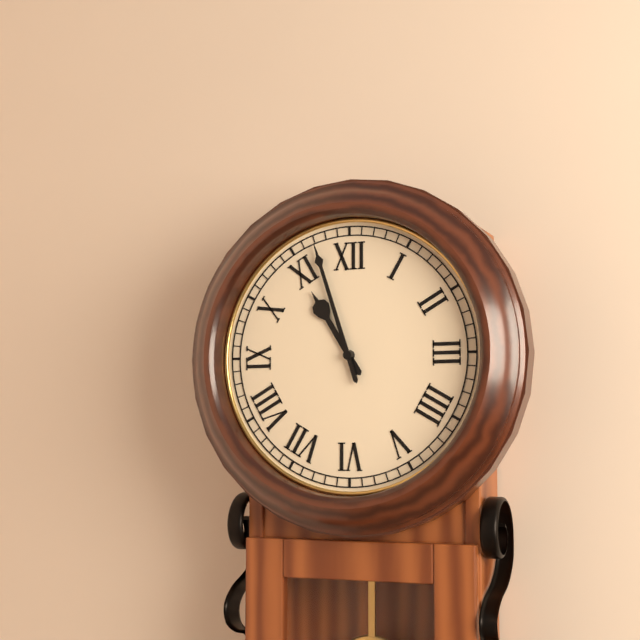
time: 10:57
